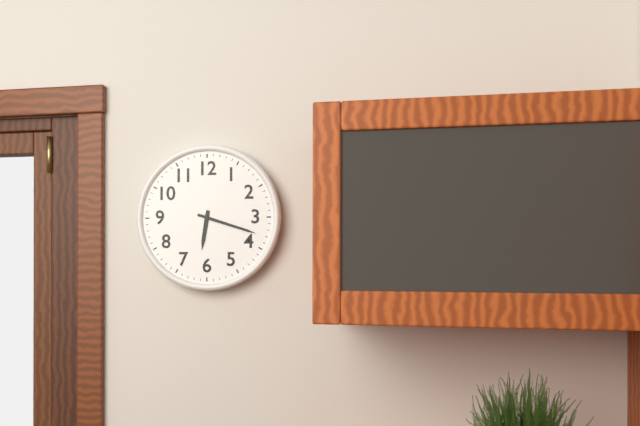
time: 6:18
